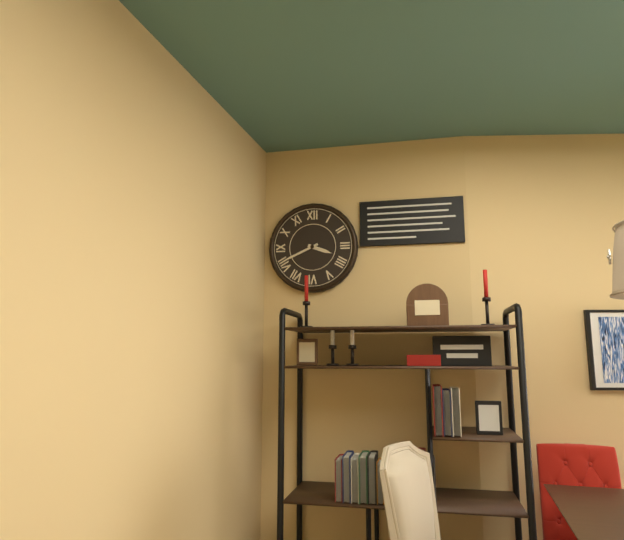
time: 3:41
